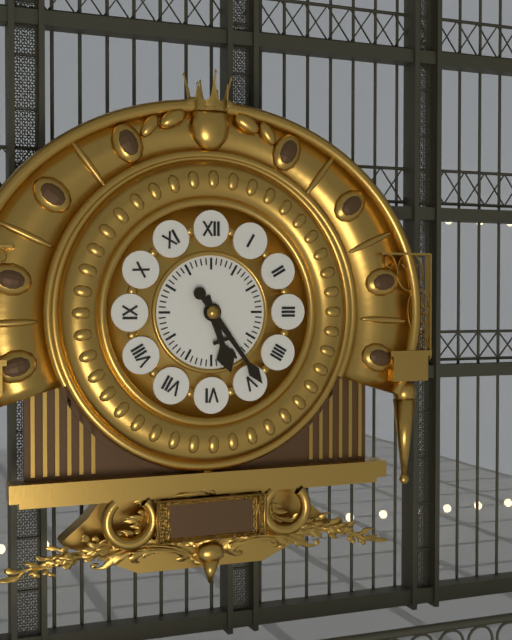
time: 5:24
